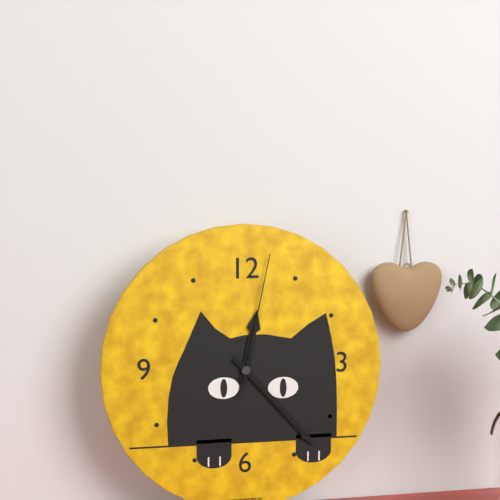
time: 12:23:02
